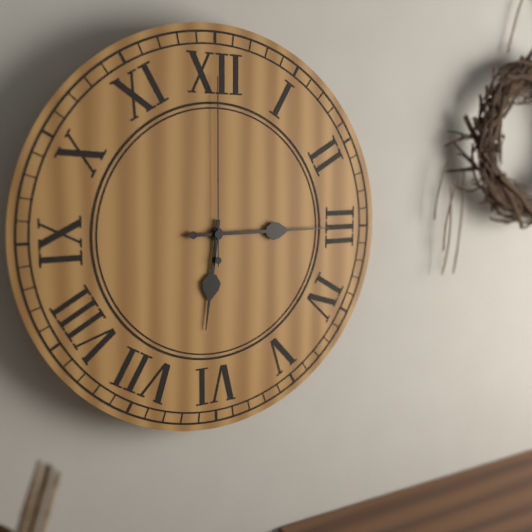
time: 6:15:00
